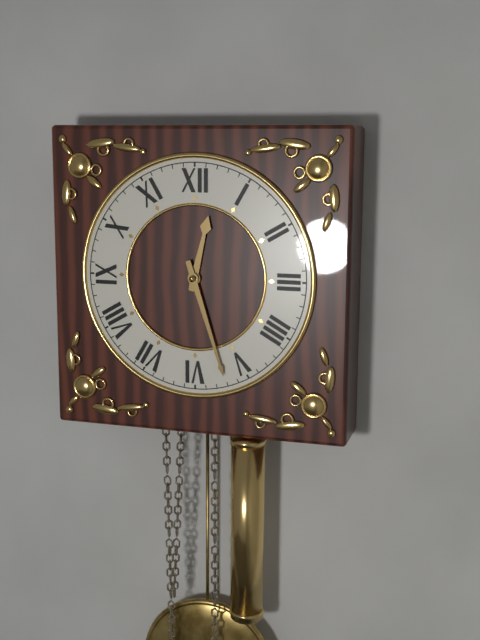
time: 12:27
